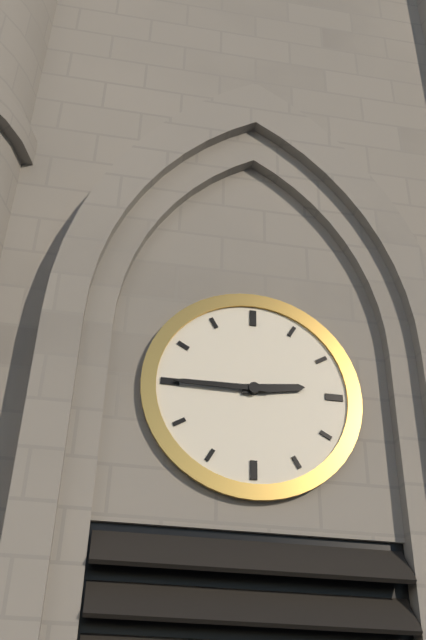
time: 2:45
